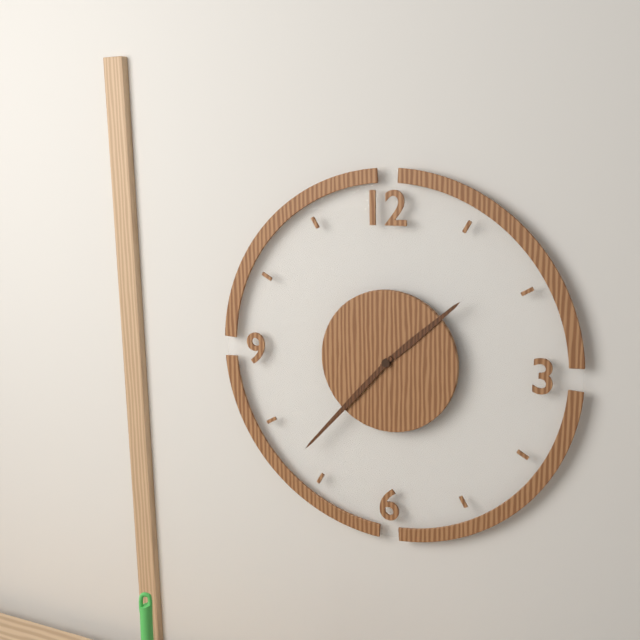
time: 1:37
